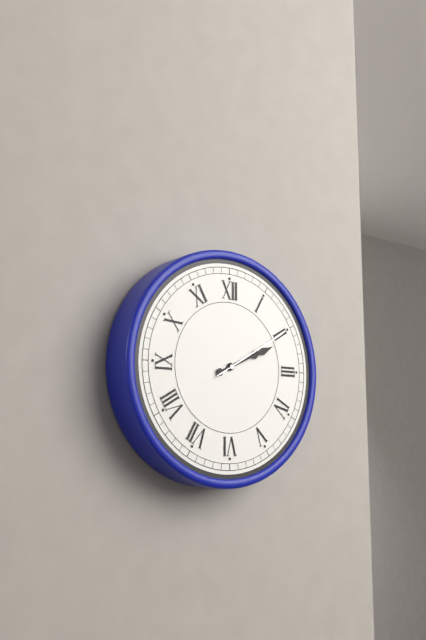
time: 2:11:10
